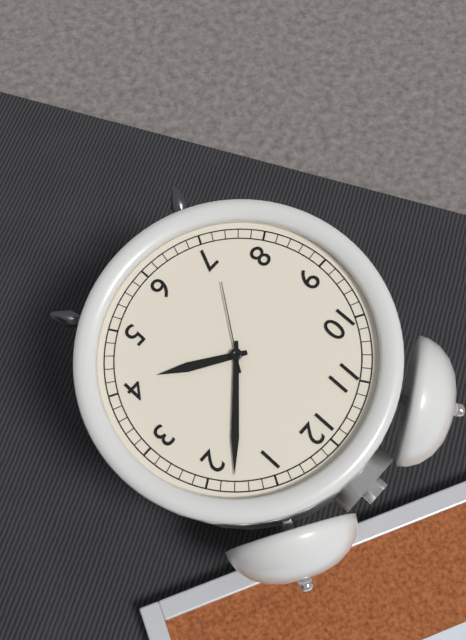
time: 4:08:36
